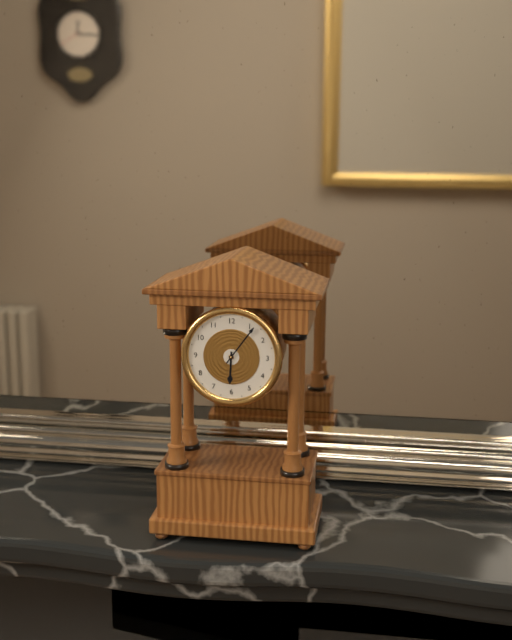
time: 6:06
